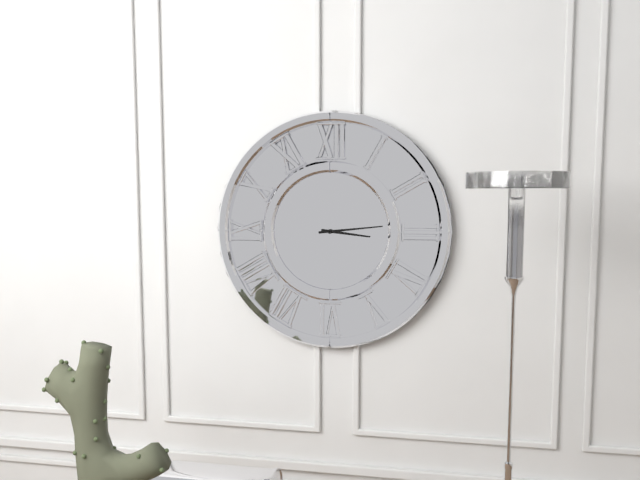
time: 3:14
